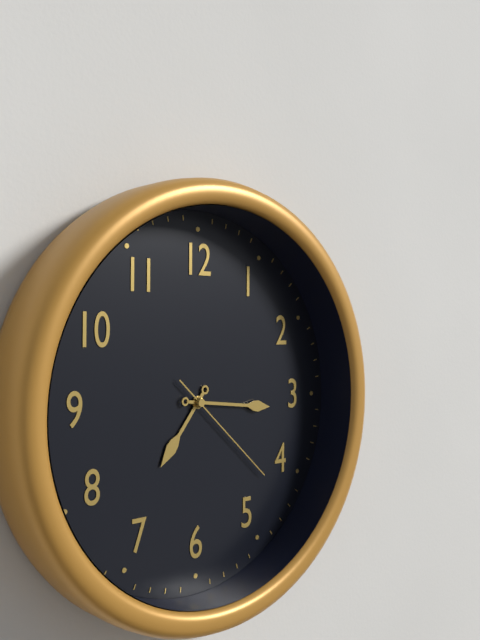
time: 7:16:22
